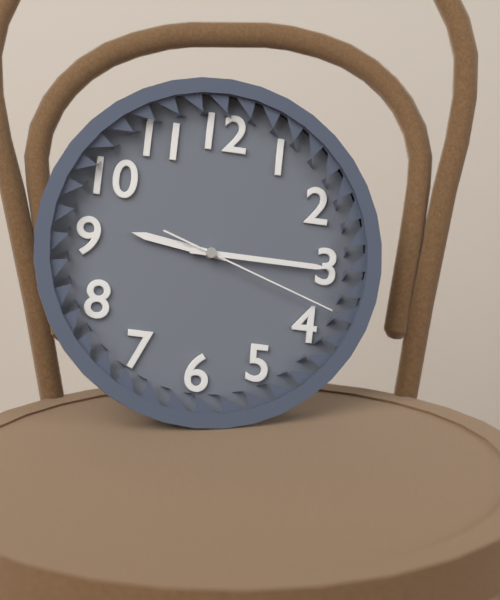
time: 9:15:18
